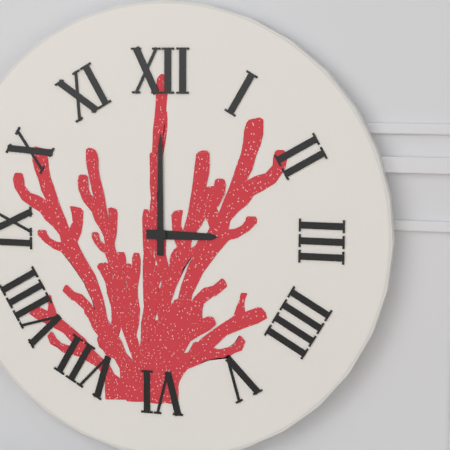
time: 3:00
